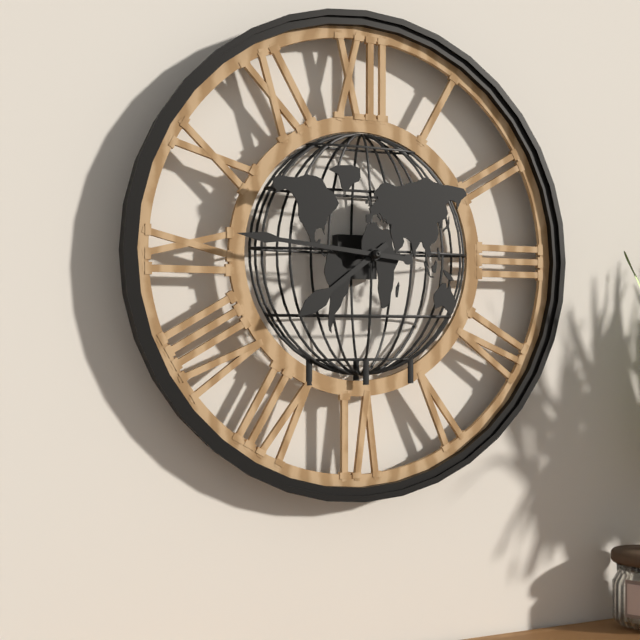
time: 7:46
